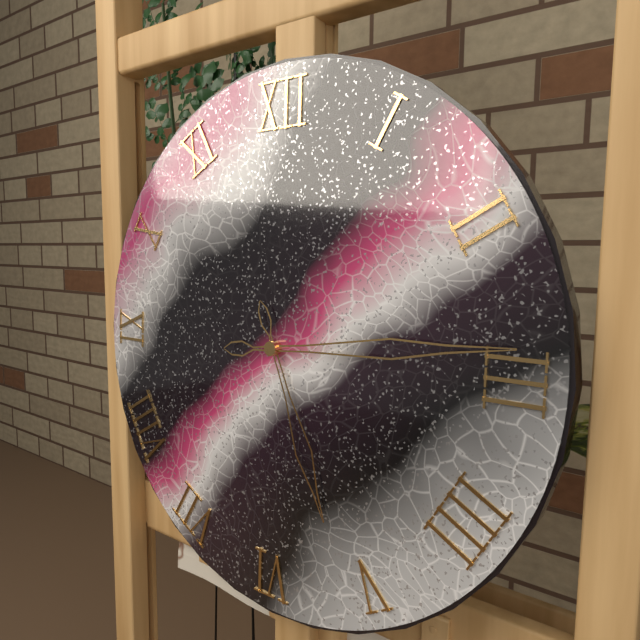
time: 5:14
